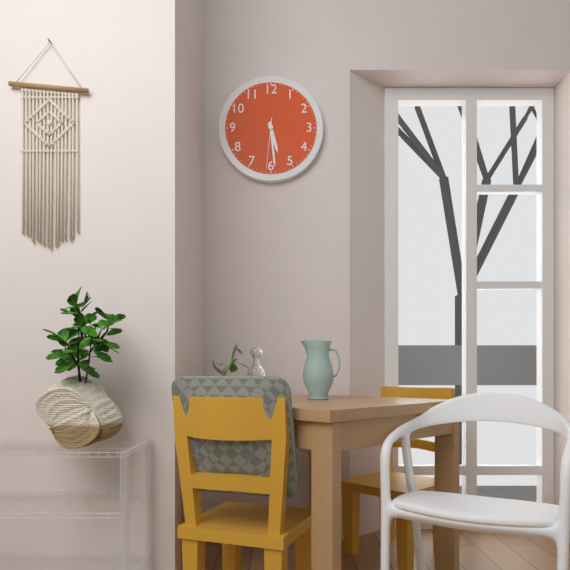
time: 5:29:31
